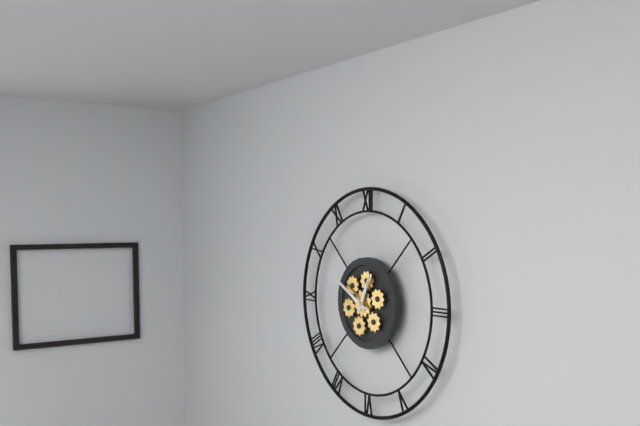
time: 12:50
